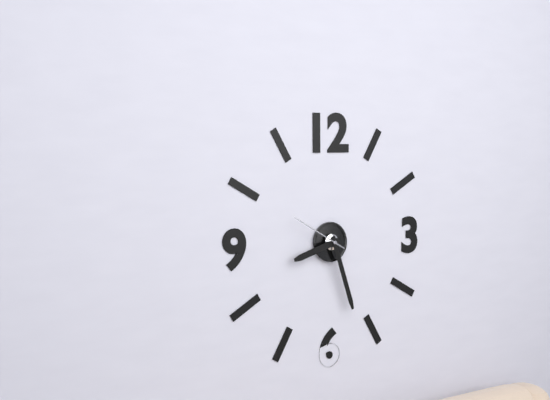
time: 8:27:50
